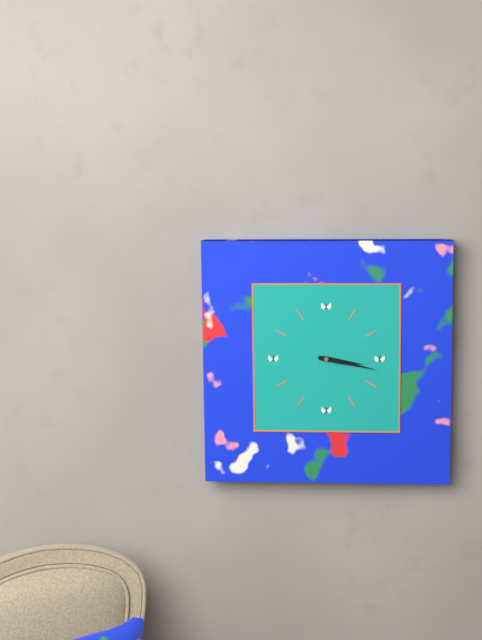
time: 3:17
